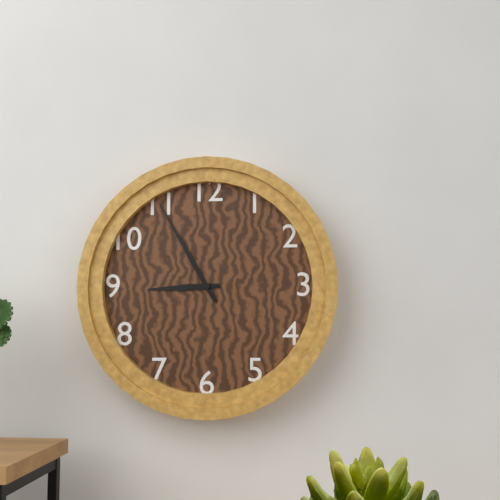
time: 8:55
